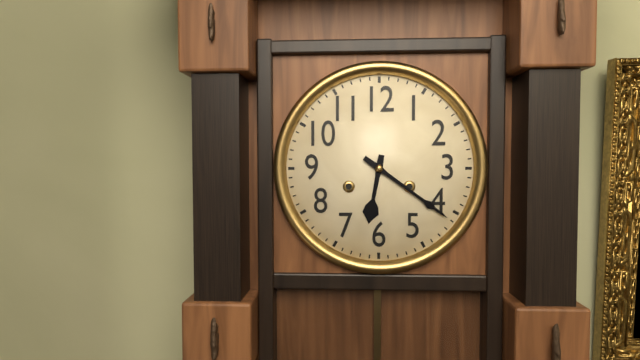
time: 6:21
